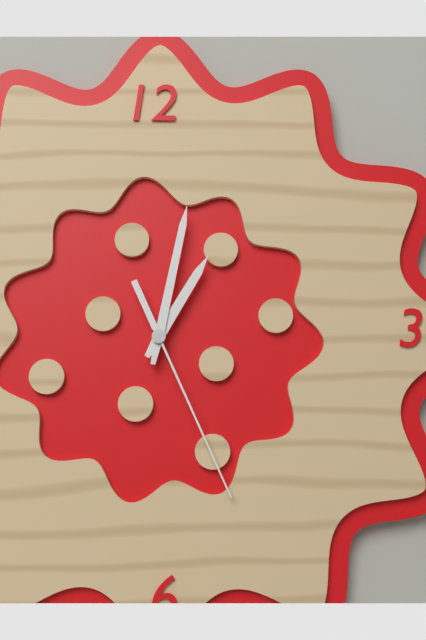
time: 1:02:26
